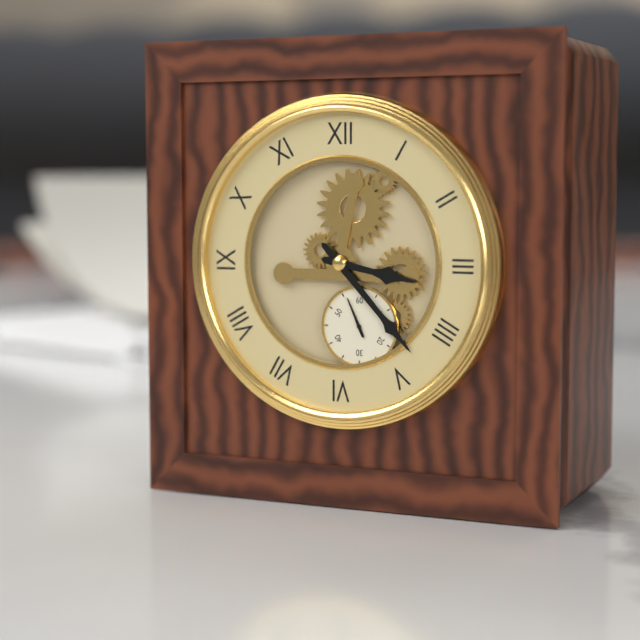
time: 3:23
